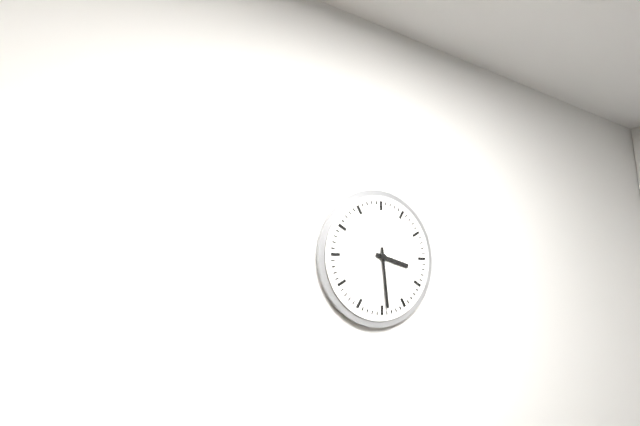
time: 3:29
